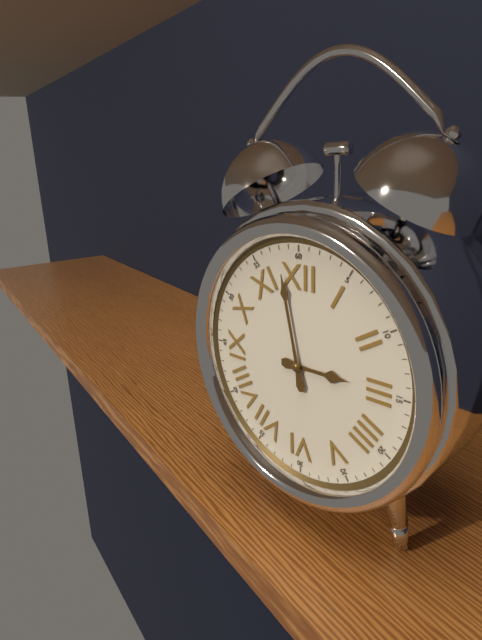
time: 2:58
